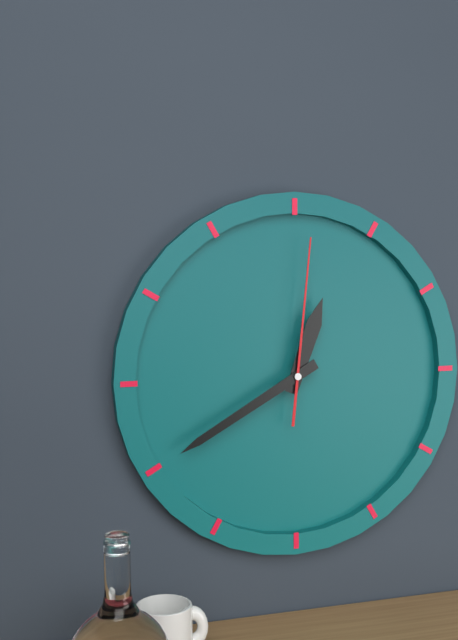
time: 12:40:01
